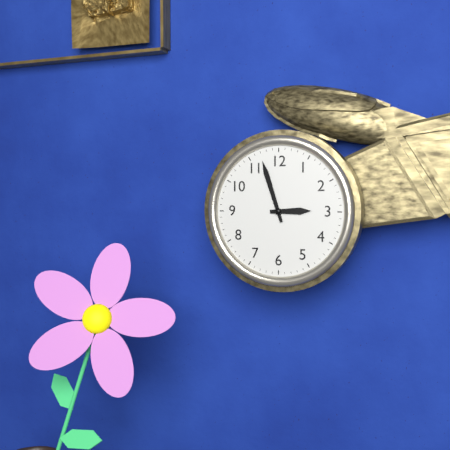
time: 2:57
